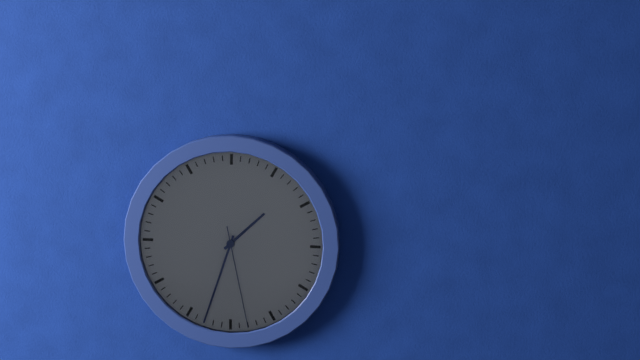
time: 1:33:28
